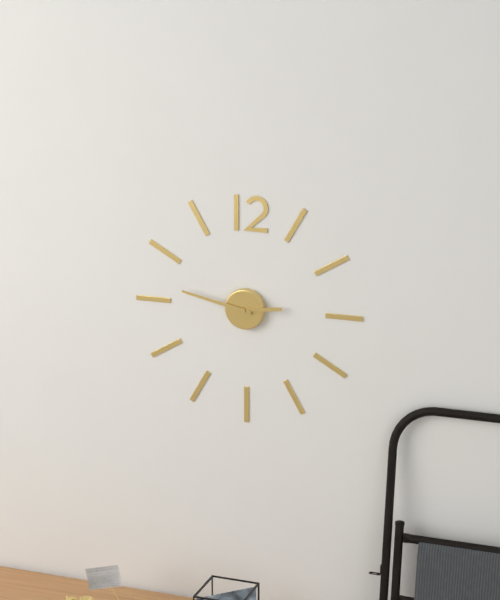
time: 2:47
